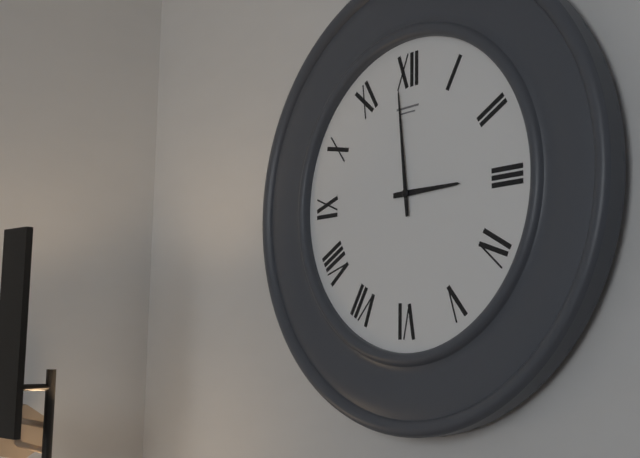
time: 2:59
